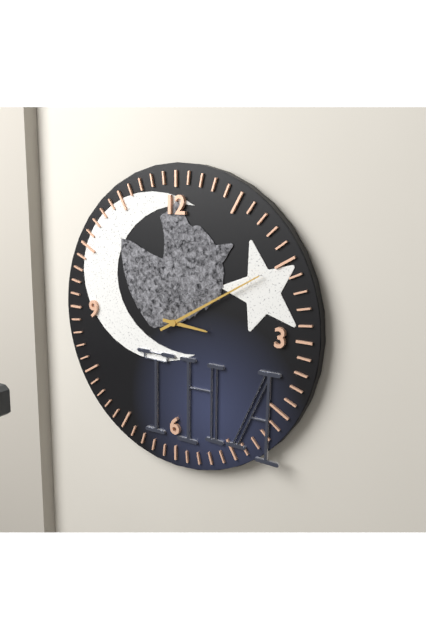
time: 3:10
